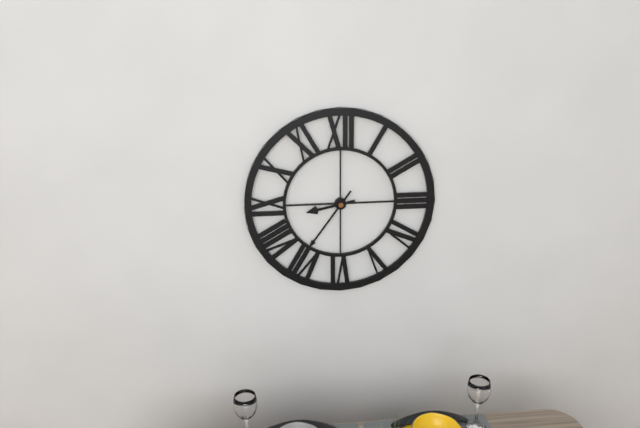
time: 8:36
